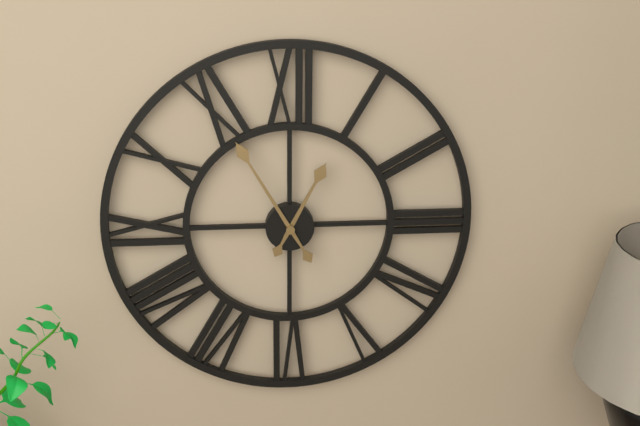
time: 12:55
